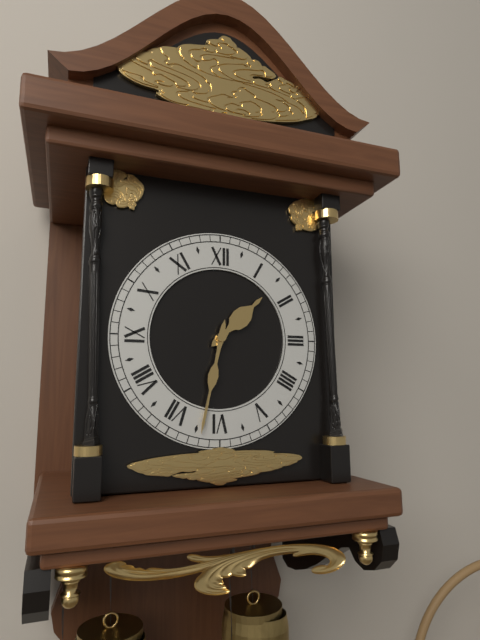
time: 1:32
